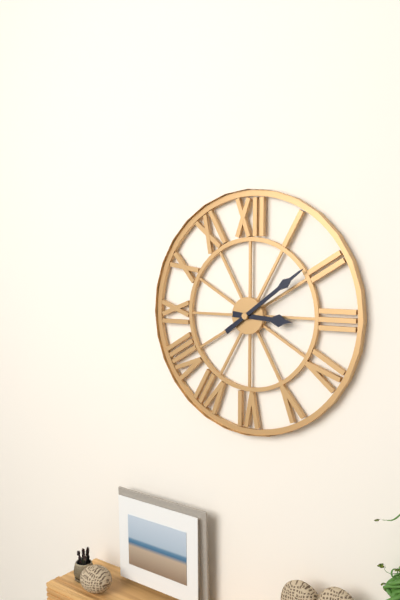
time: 3:09
